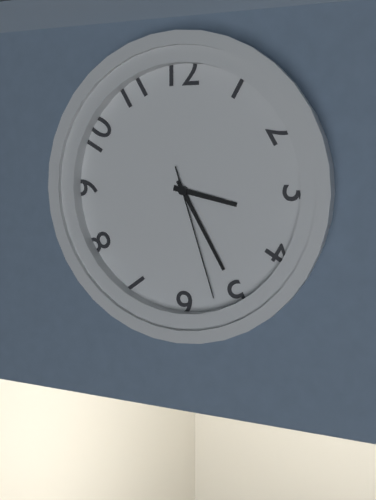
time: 3:25:27
